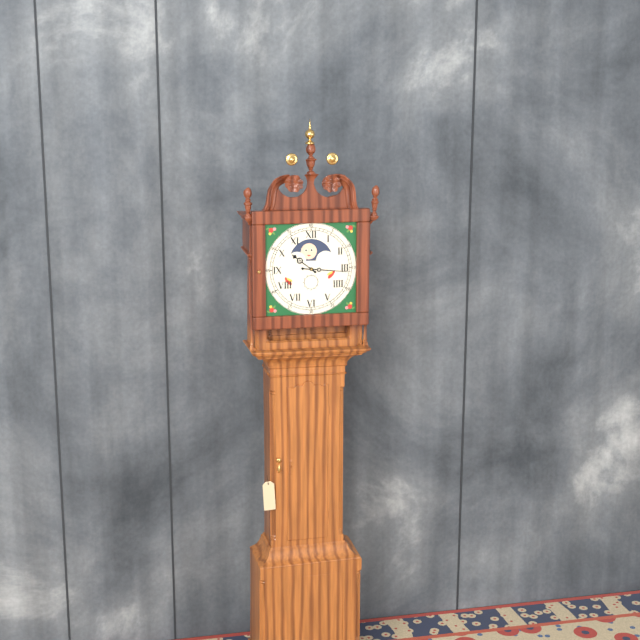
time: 10:16
